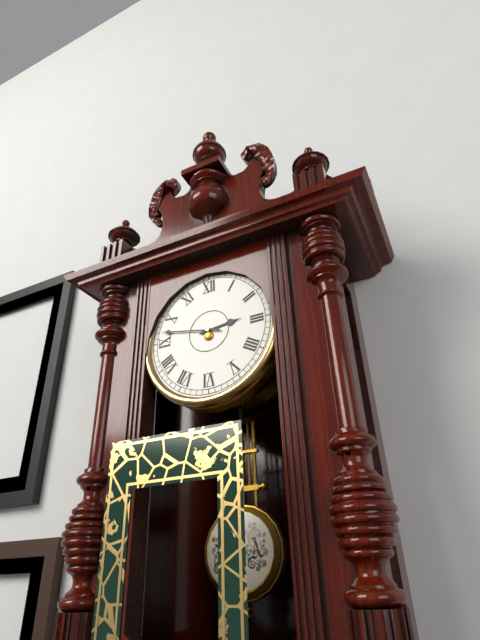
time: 2:47
